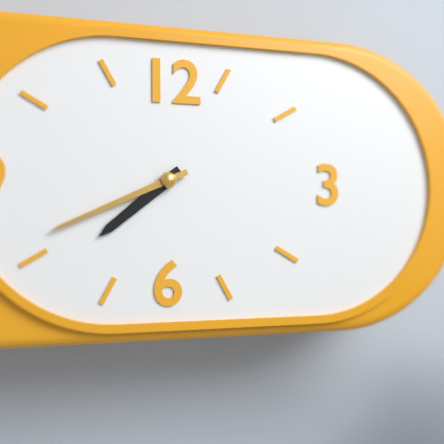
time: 7:41
